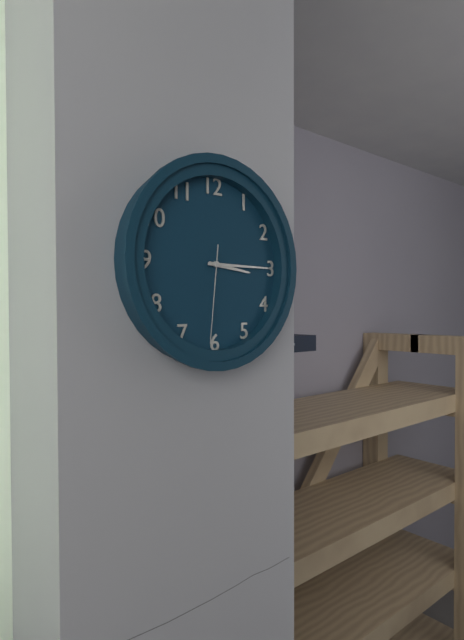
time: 3:15:31
